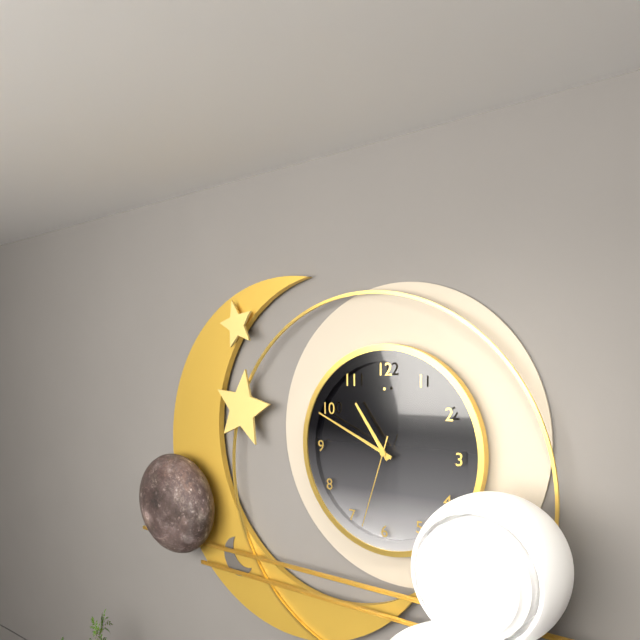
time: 10:49:33
